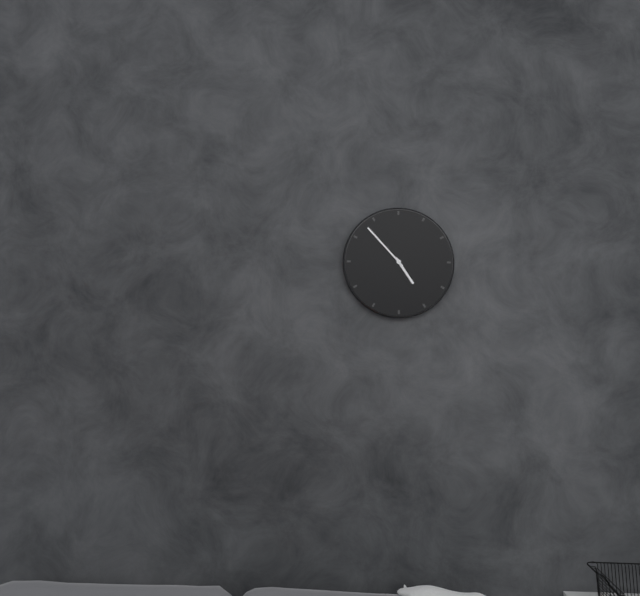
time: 4:53
